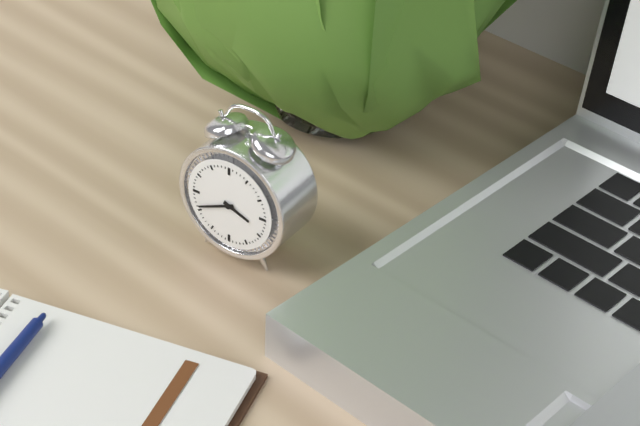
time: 3:41
